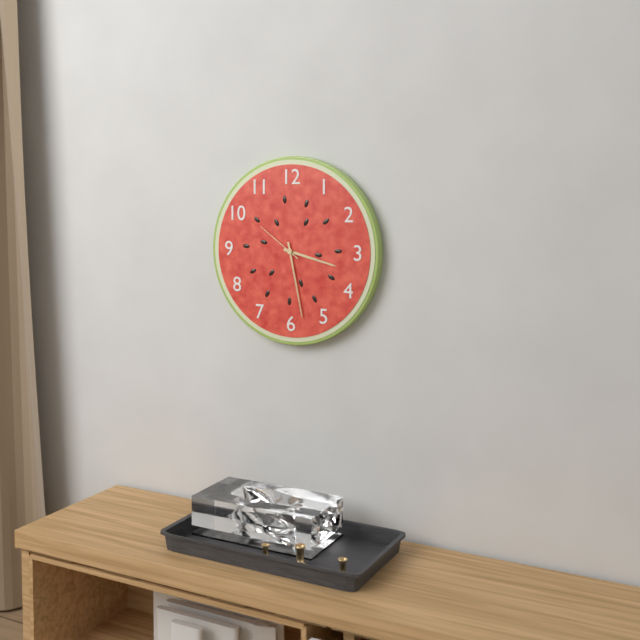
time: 3:28
